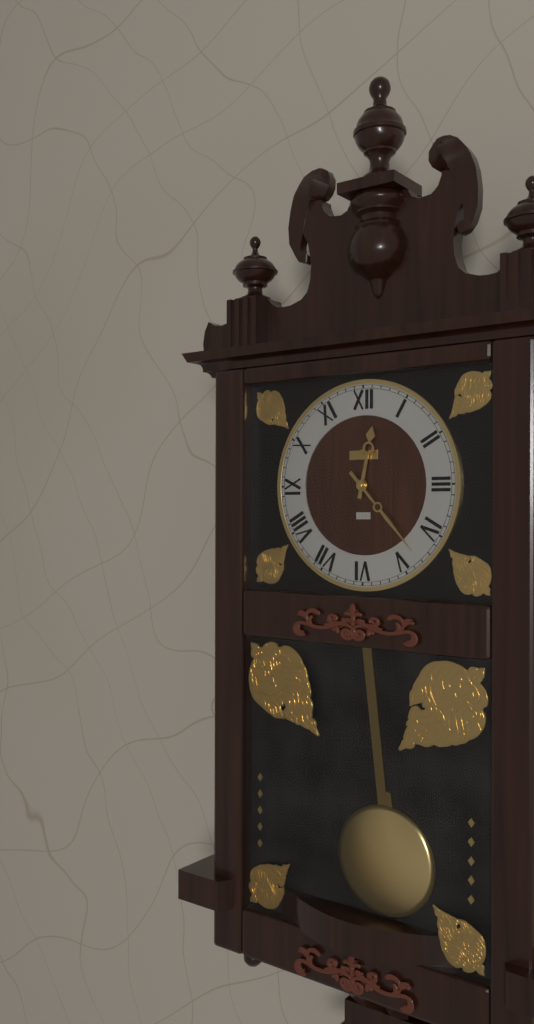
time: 12:23
